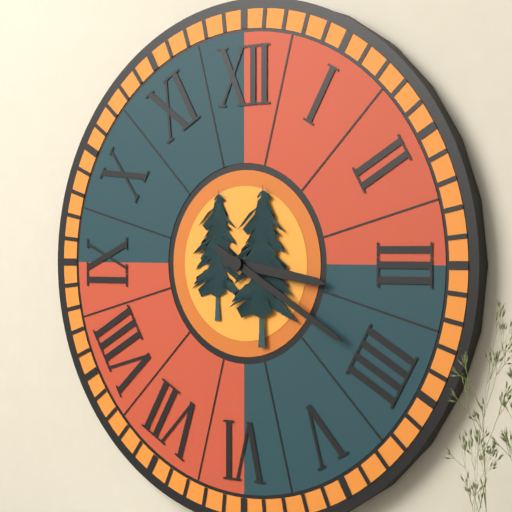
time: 3:20
